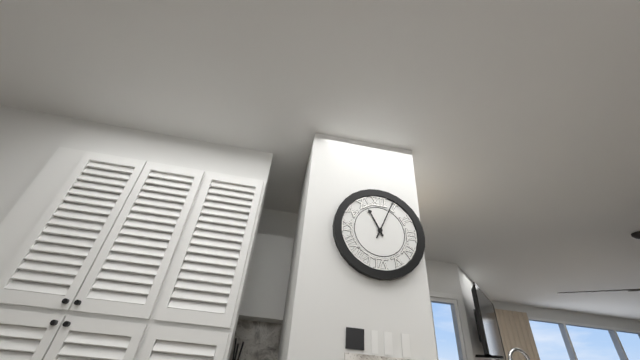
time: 11:04
